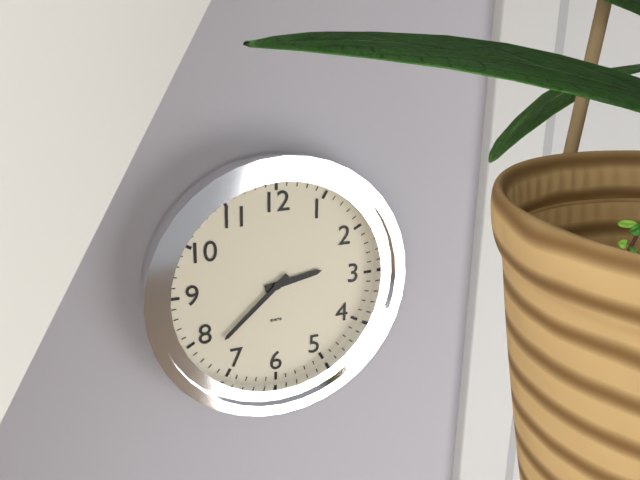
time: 2:38
